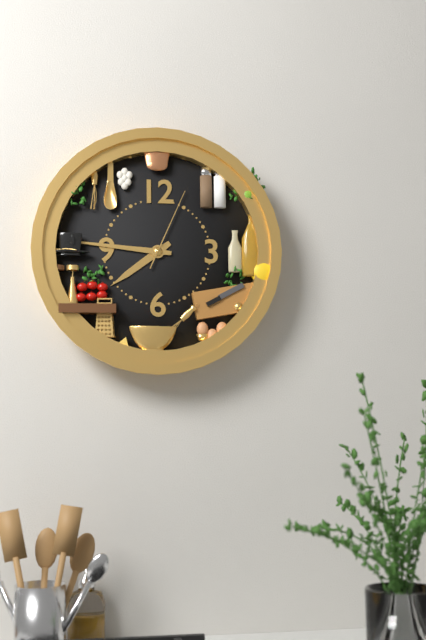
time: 7:46:04
